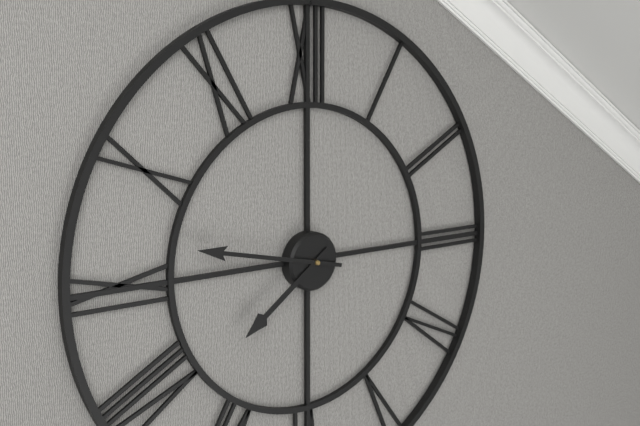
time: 7:47
